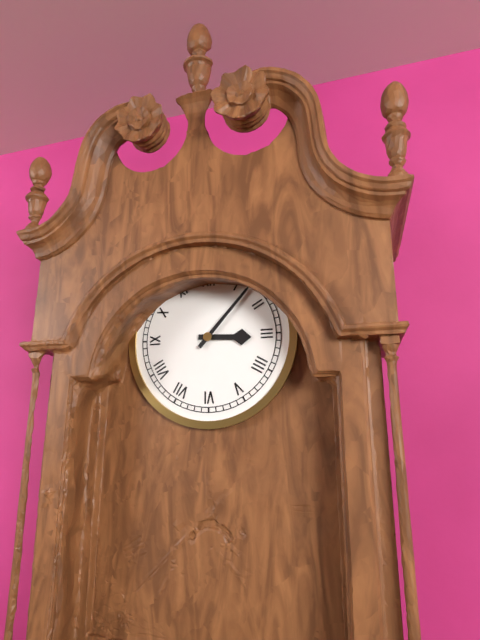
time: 3:07
